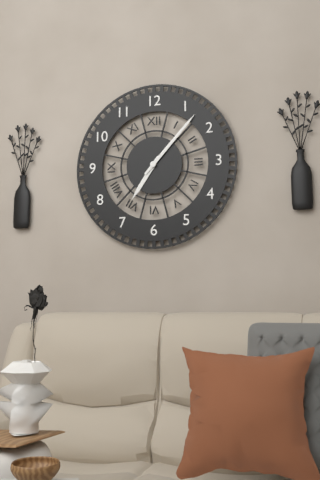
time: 7:07
